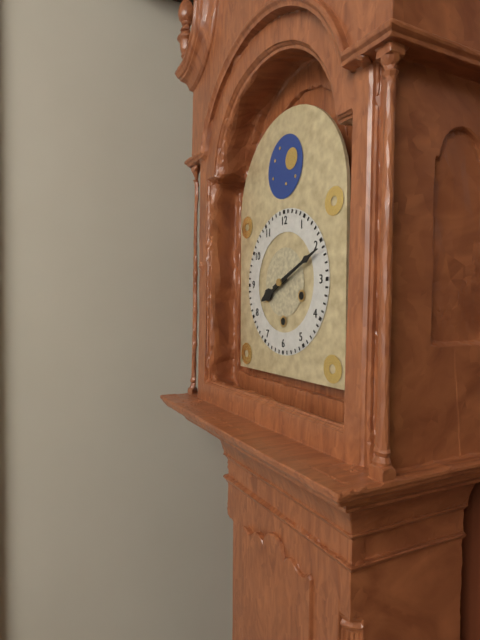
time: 8:11
